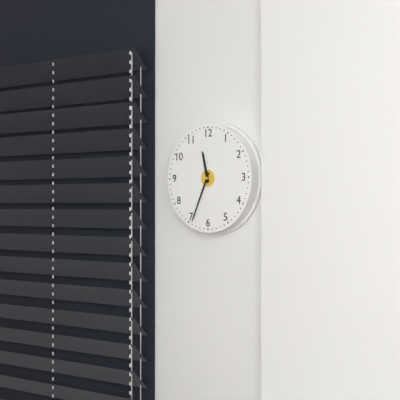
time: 11:34
